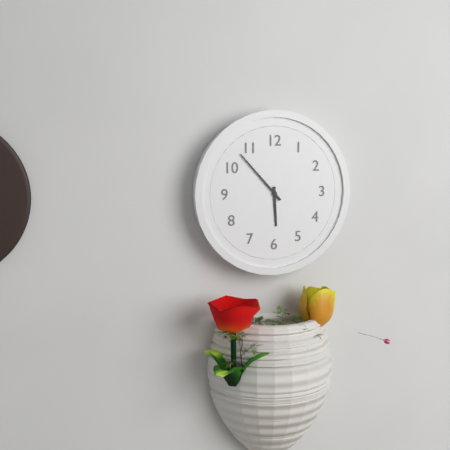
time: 5:53
